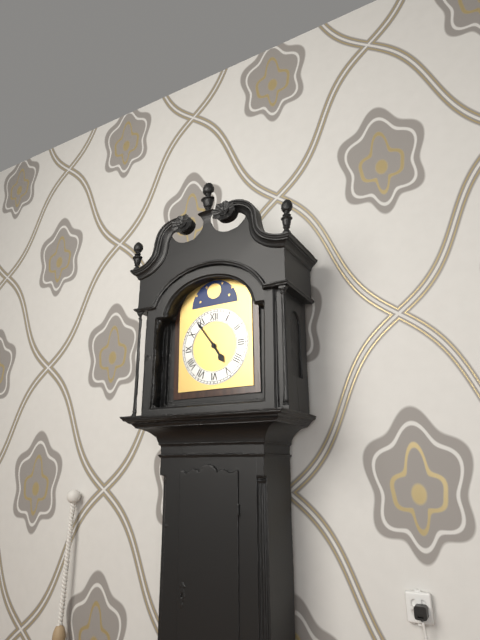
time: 4:54
